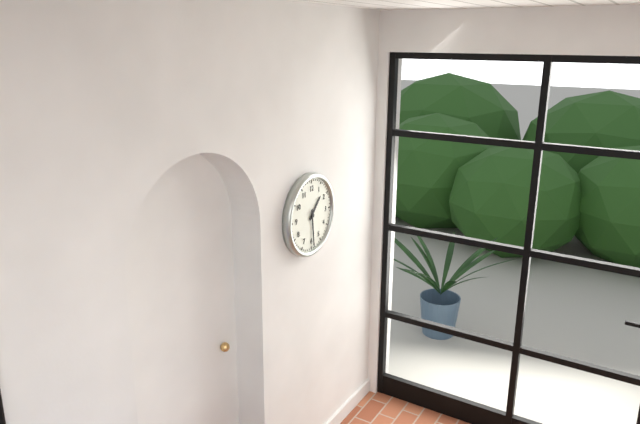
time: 1:29
